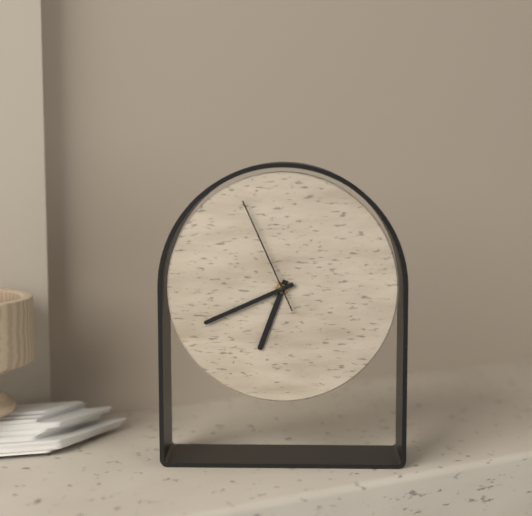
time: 6:41:56
